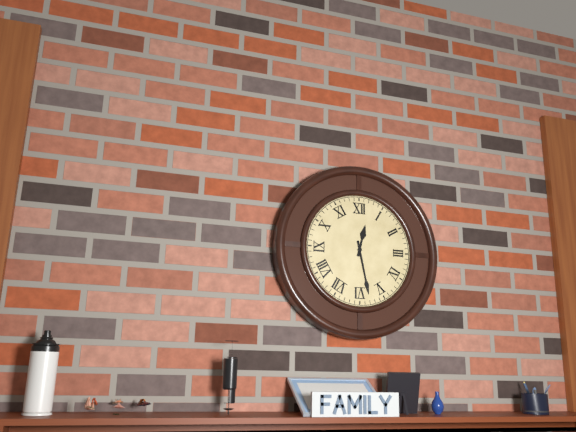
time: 12:28
